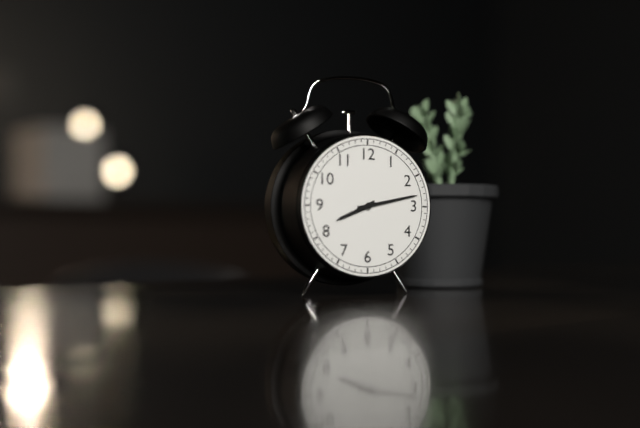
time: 8:13
